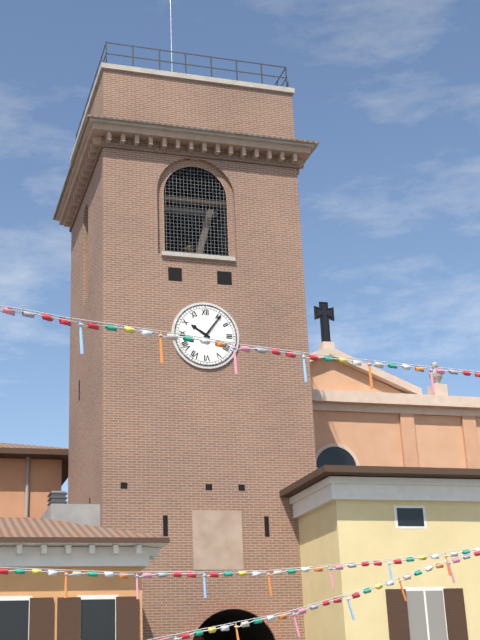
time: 10:06
